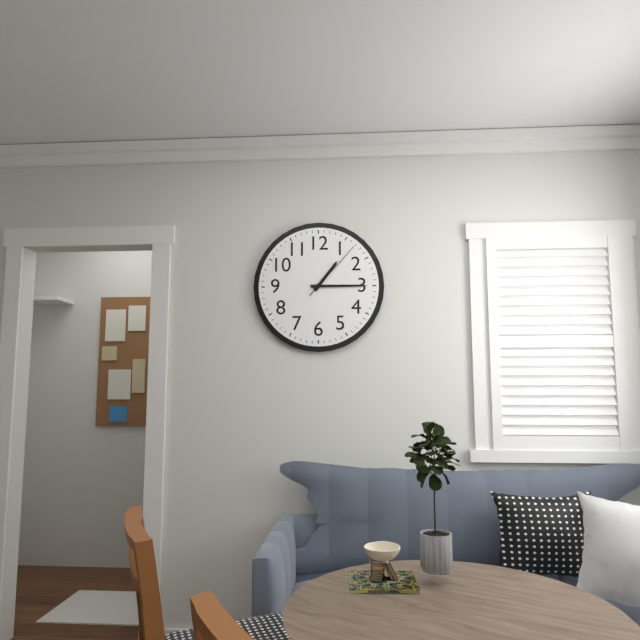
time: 1:15:07
